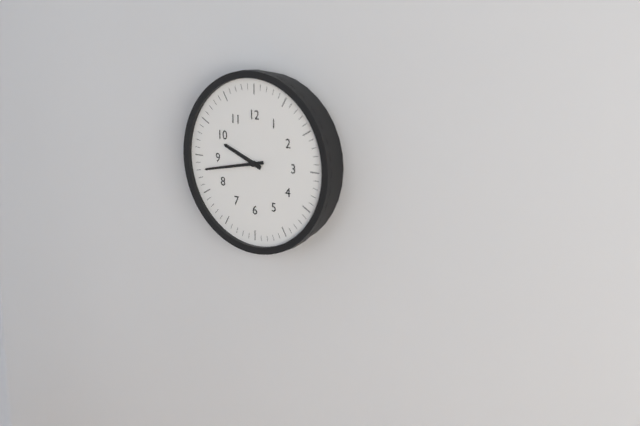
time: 9:43
